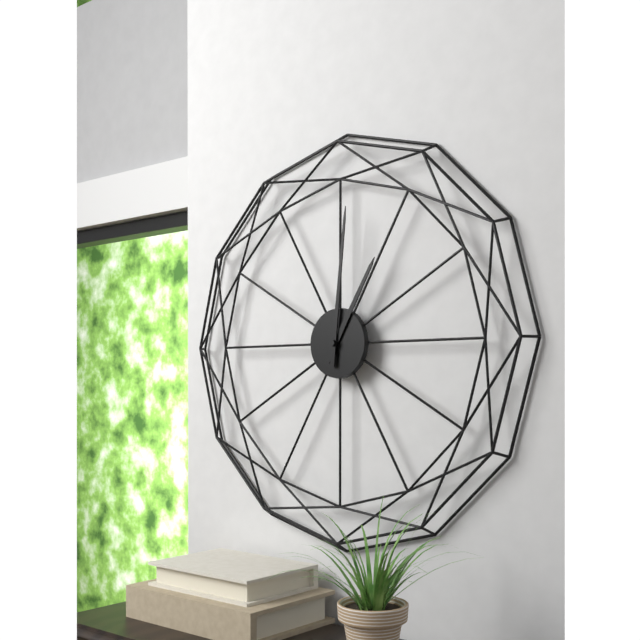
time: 1:01
